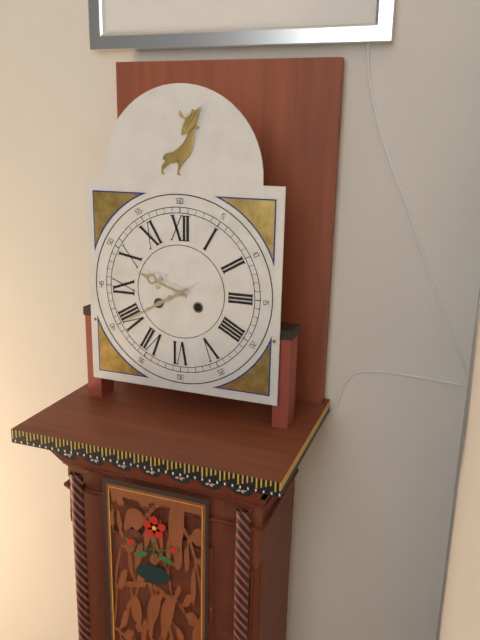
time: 9:40
